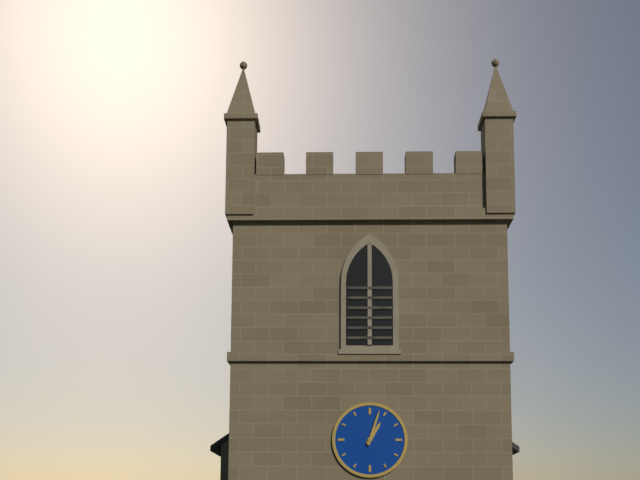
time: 1:03
